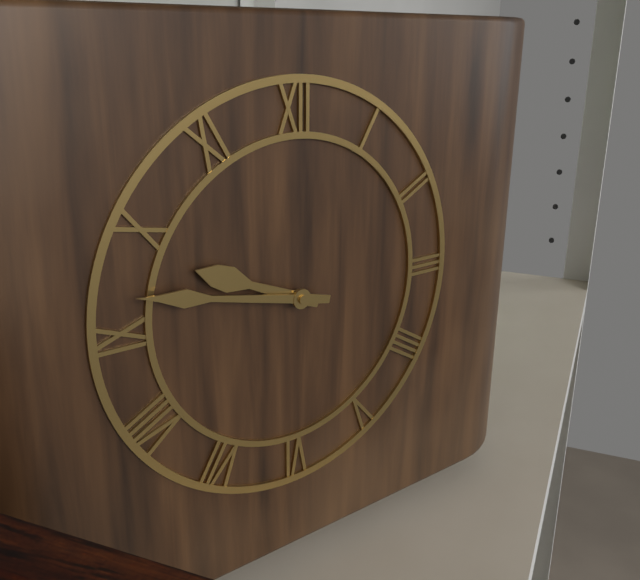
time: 9:47
